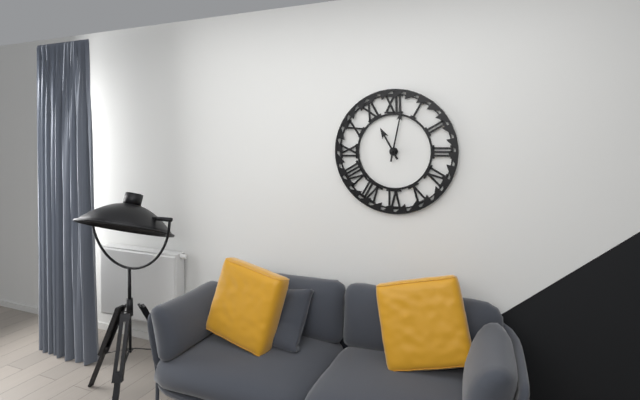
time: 11:02
